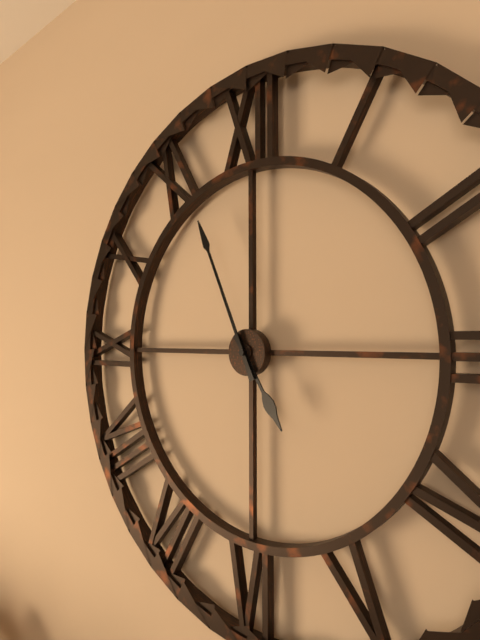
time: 4:56
